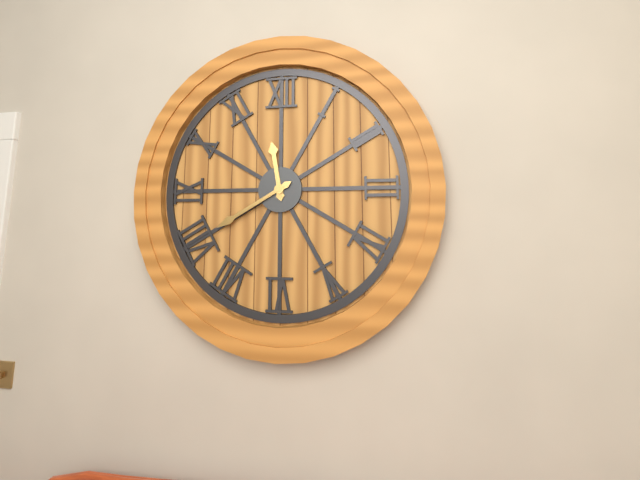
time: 11:40
